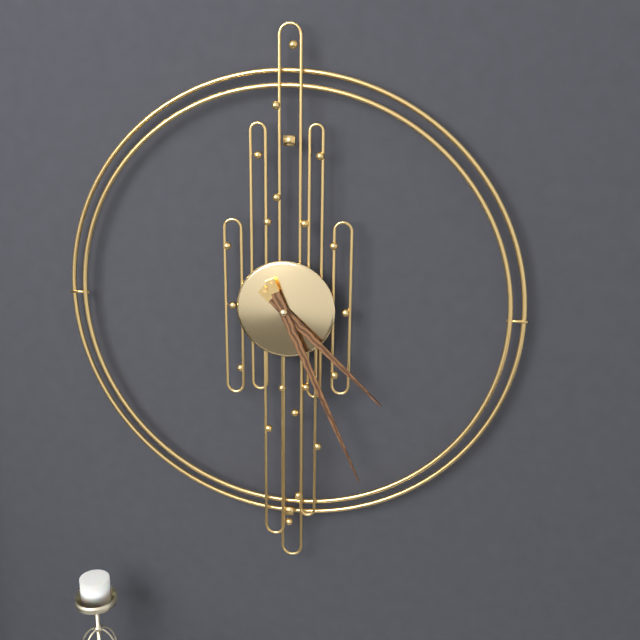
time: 4:26
